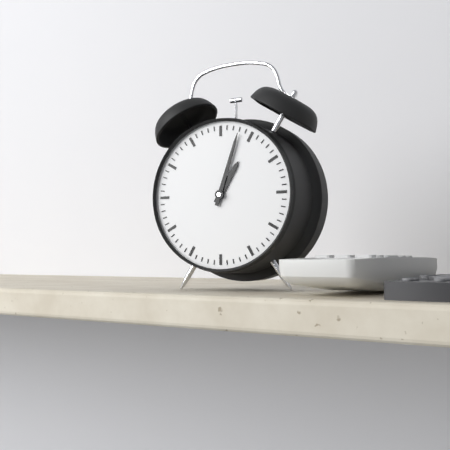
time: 1:03
